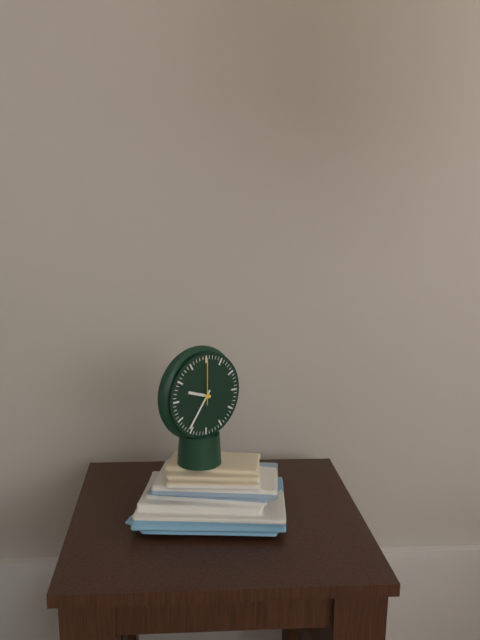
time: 9:36
